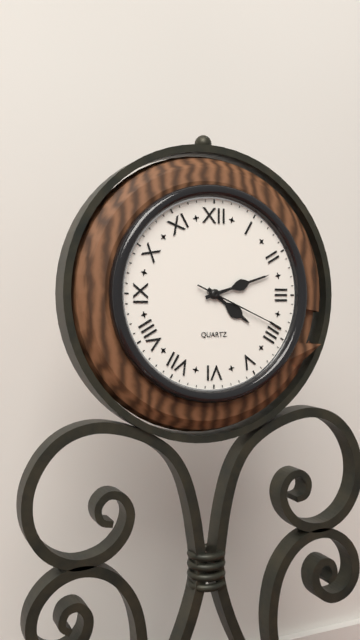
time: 4:12:19
